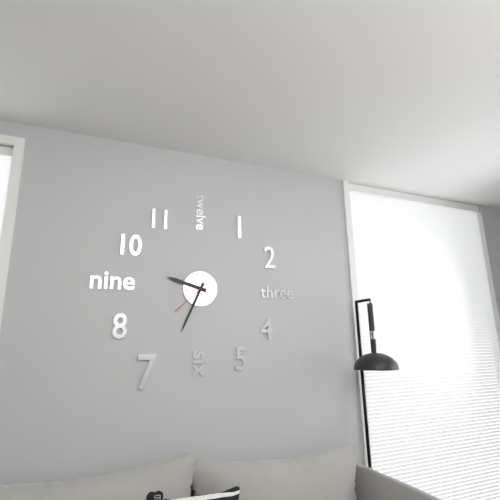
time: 9:34
